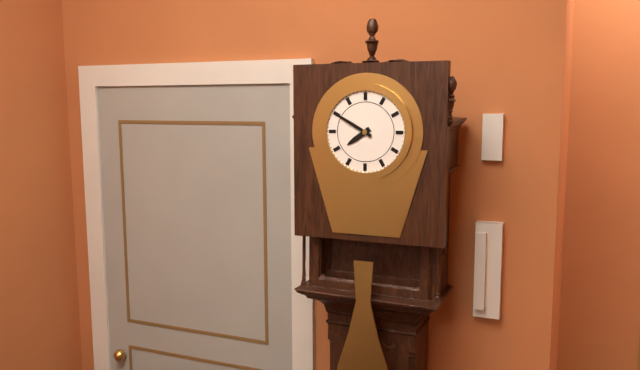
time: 7:50
